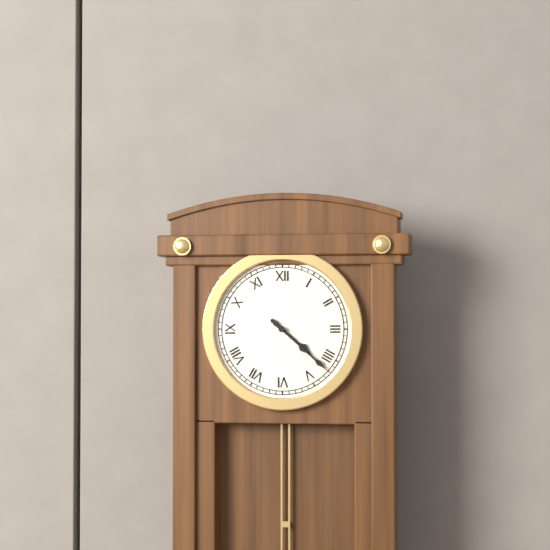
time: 4:22
